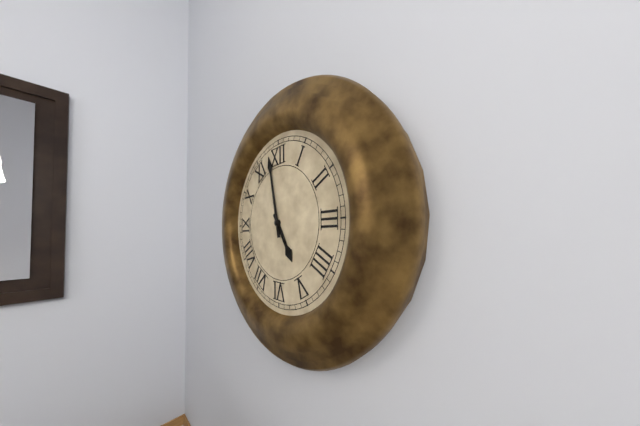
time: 4:58
